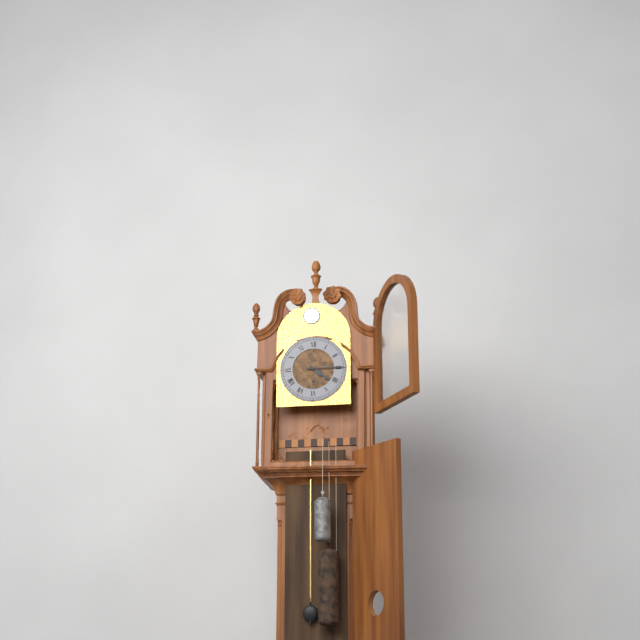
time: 4:15
